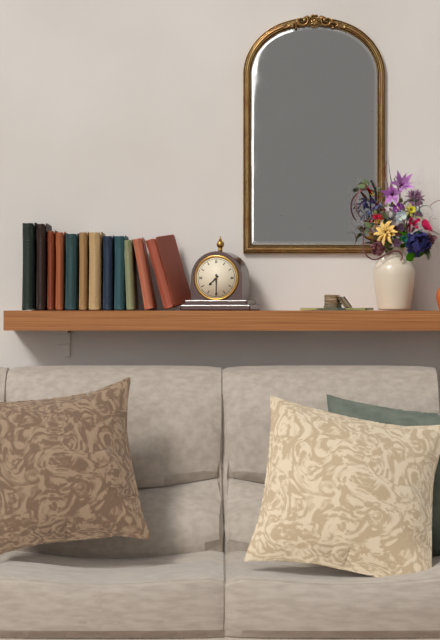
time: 7:30
